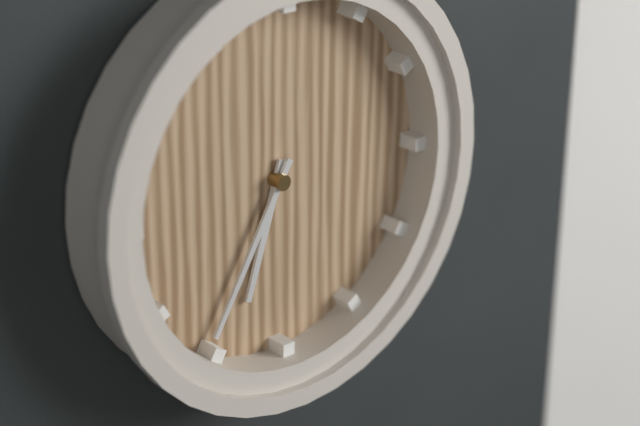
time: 6:35
